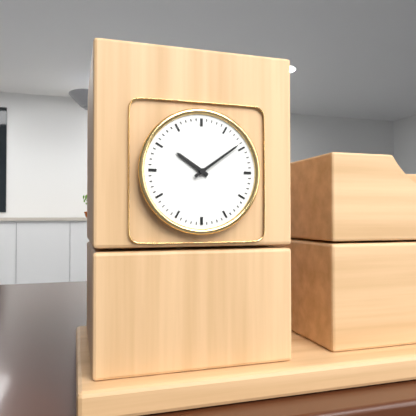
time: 10:09
